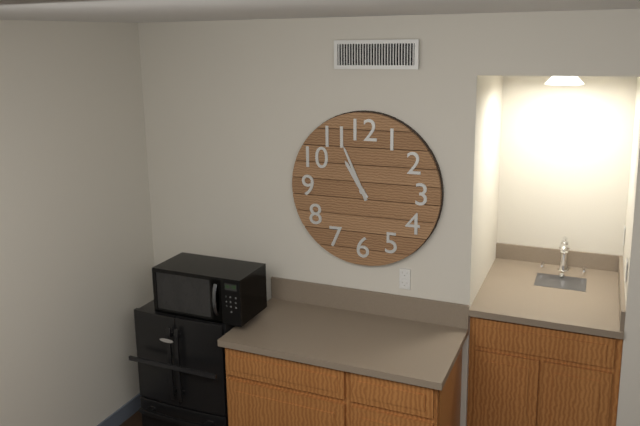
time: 10:56
